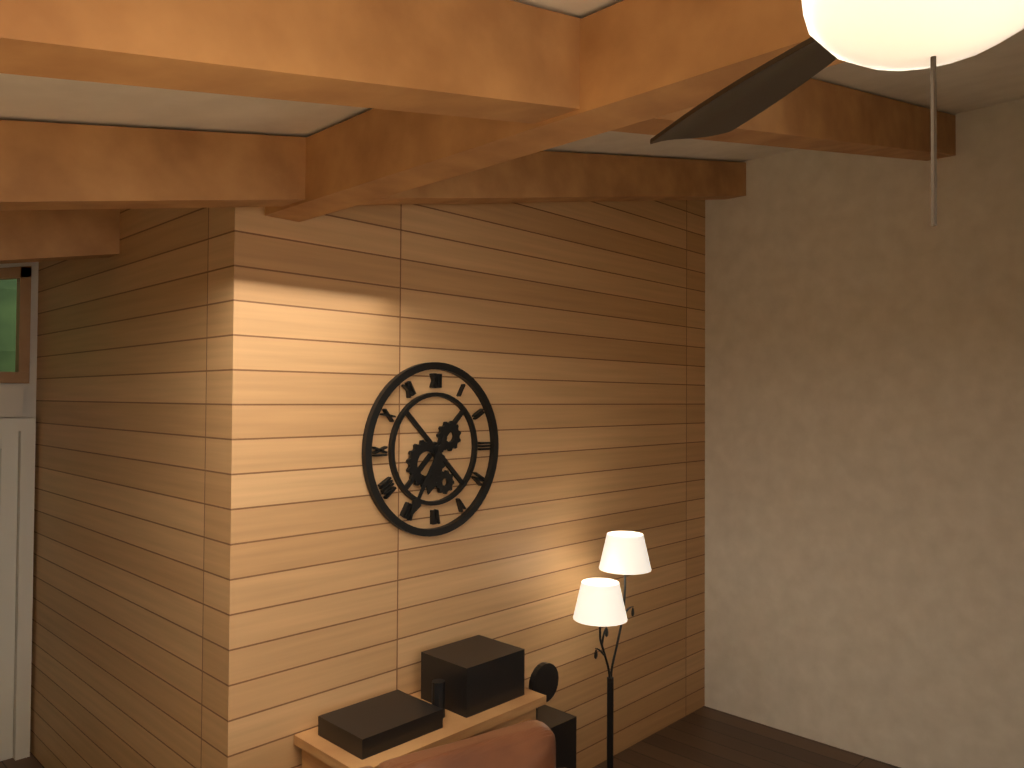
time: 6:35
